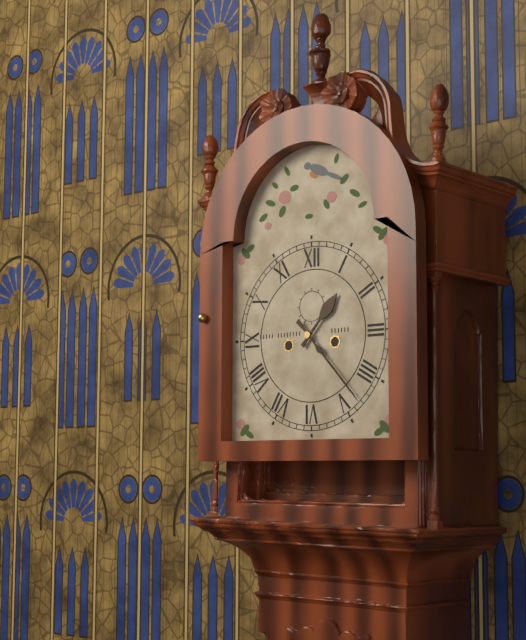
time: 1:23
